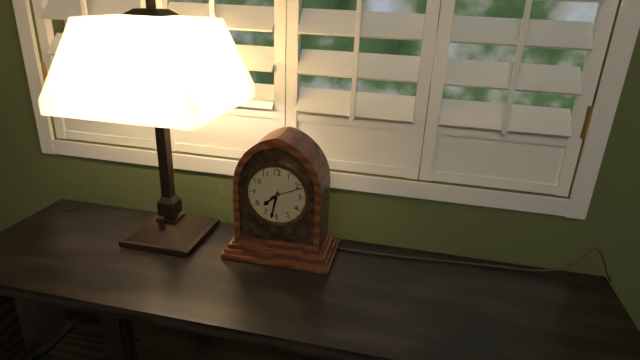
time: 7:32
